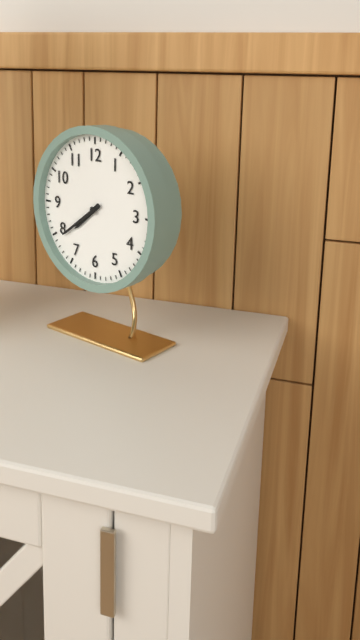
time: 7:39
